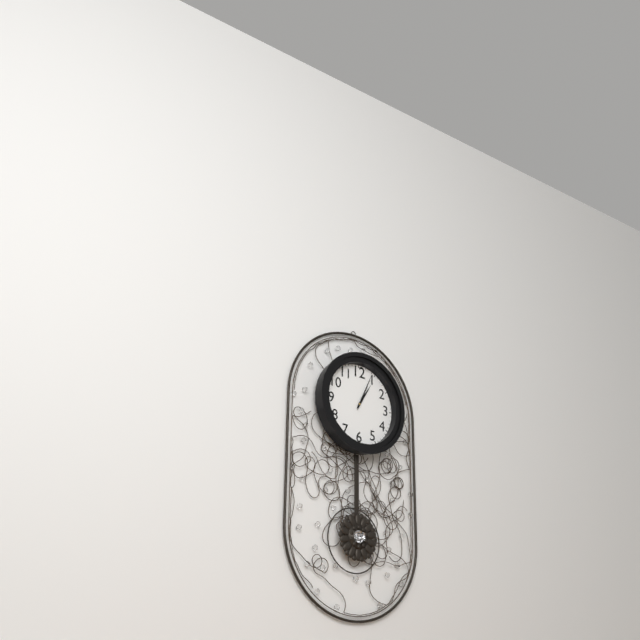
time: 1:04
